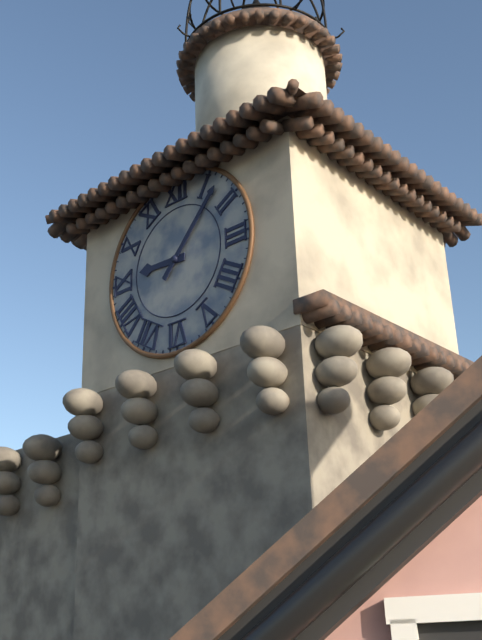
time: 9:07
